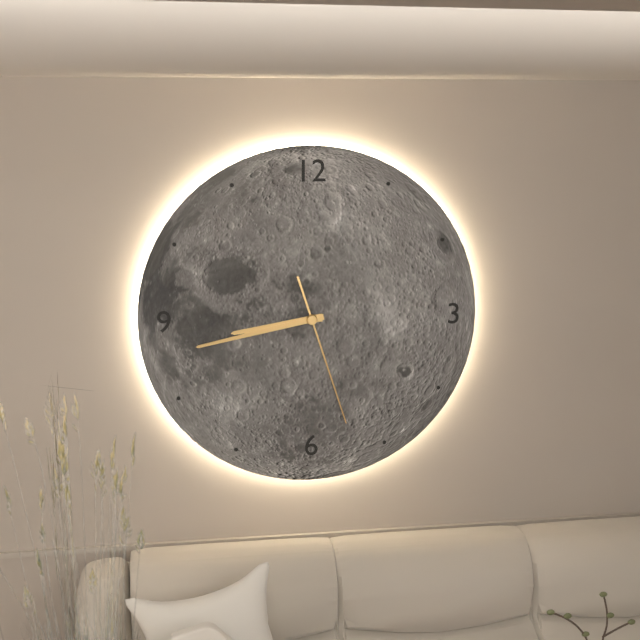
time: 8:43:27
